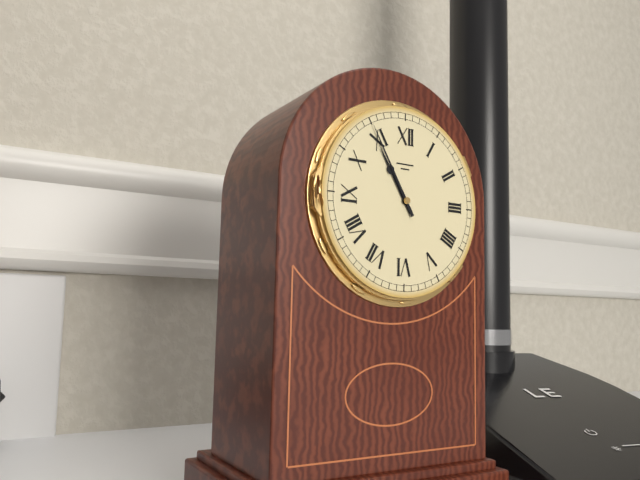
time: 10:55
